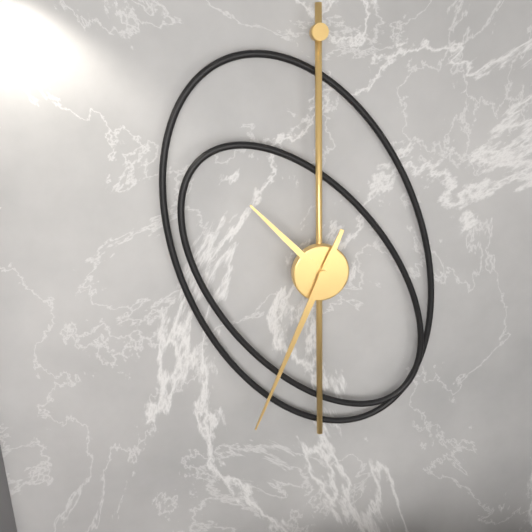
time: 10:34
